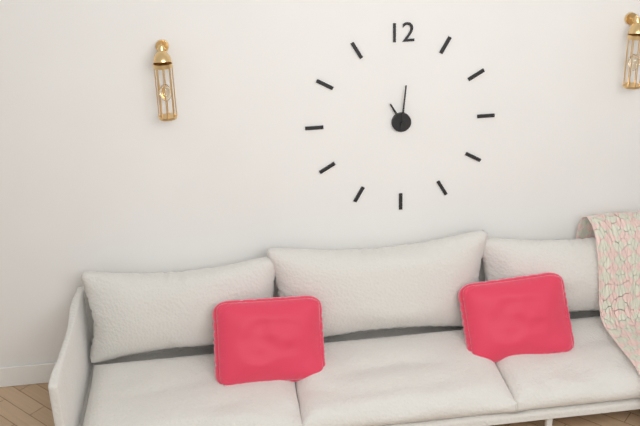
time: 11:01
